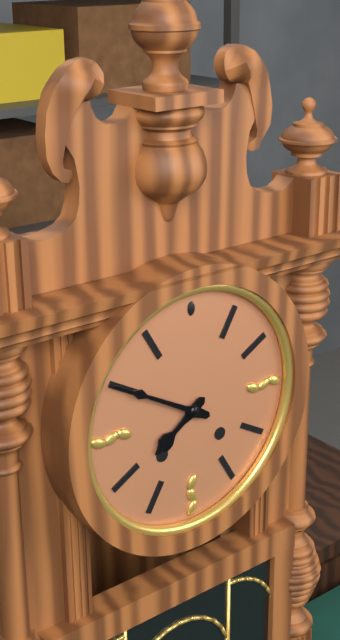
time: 7:50
